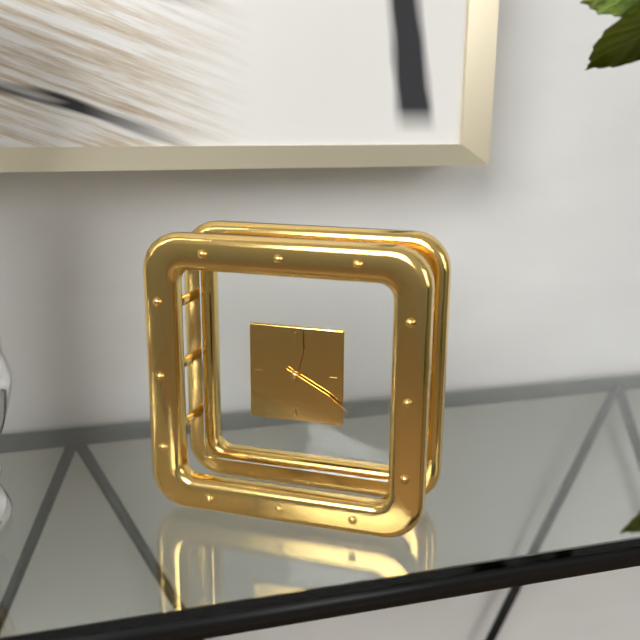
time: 12:20
